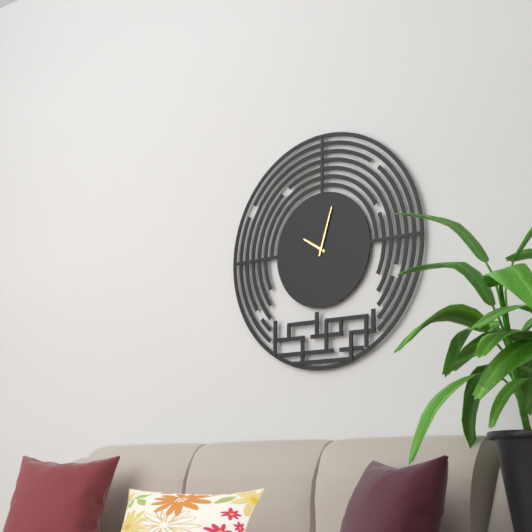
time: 10:03
